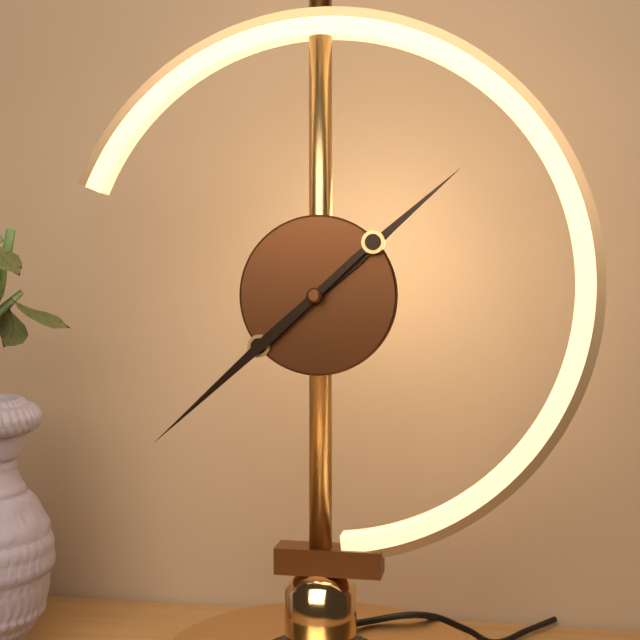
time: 1:38
